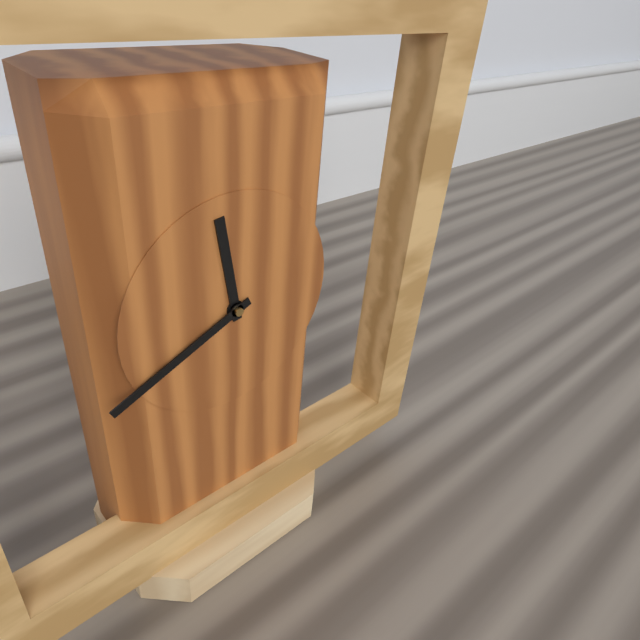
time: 11:41
